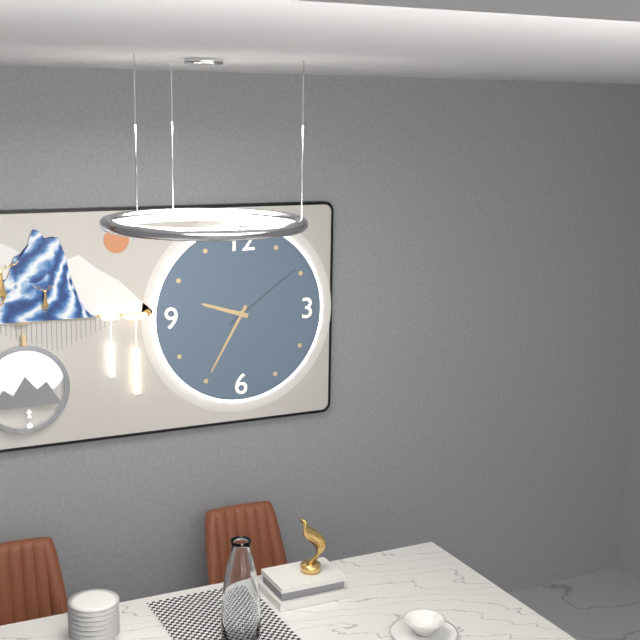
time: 9:35:09
